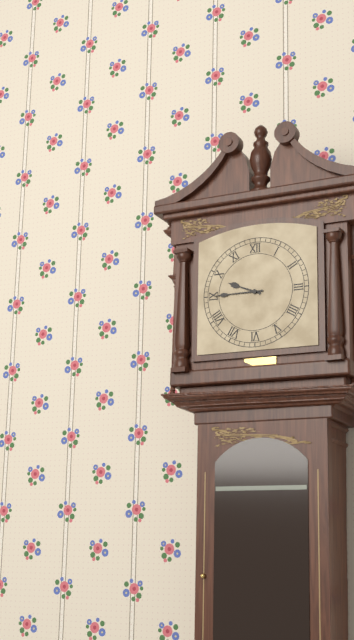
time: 9:45
